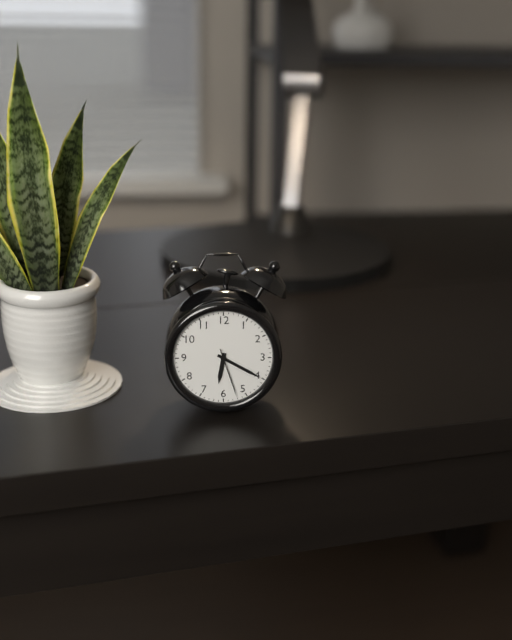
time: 6:20:27
